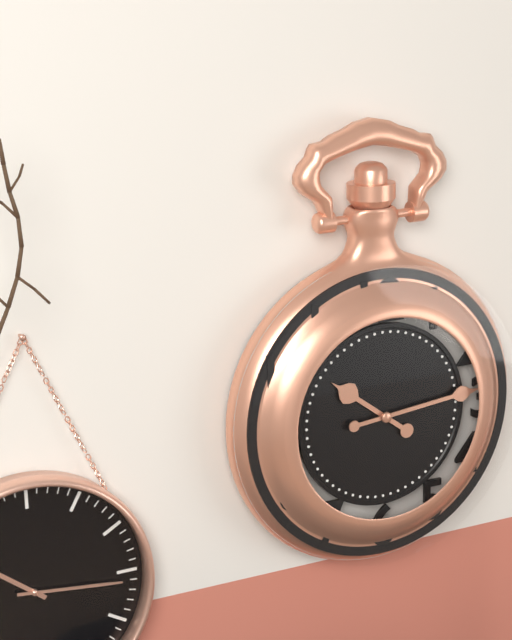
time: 10:14
